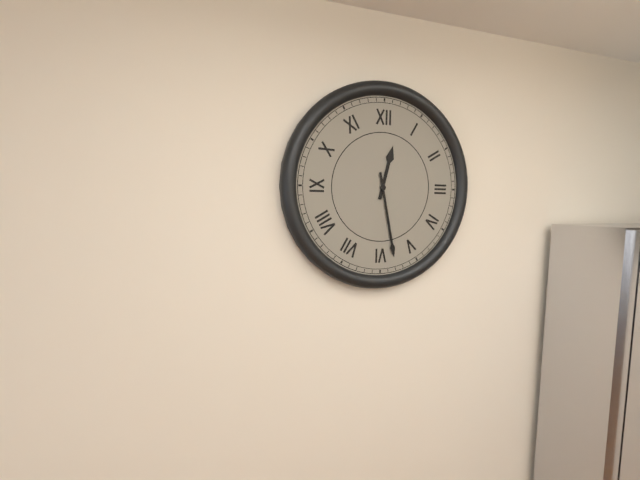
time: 12:28
